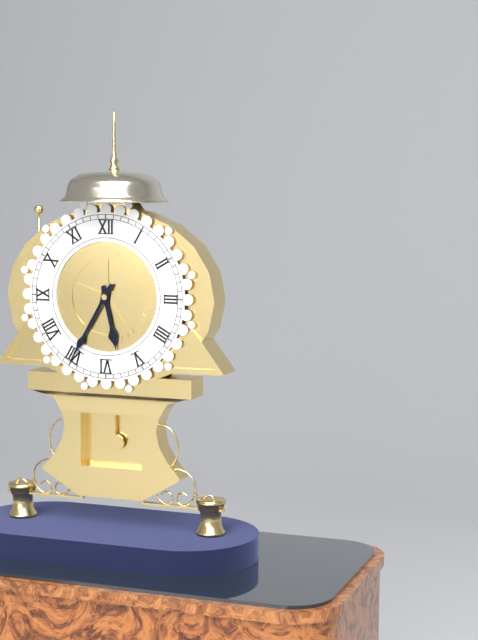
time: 5:35
